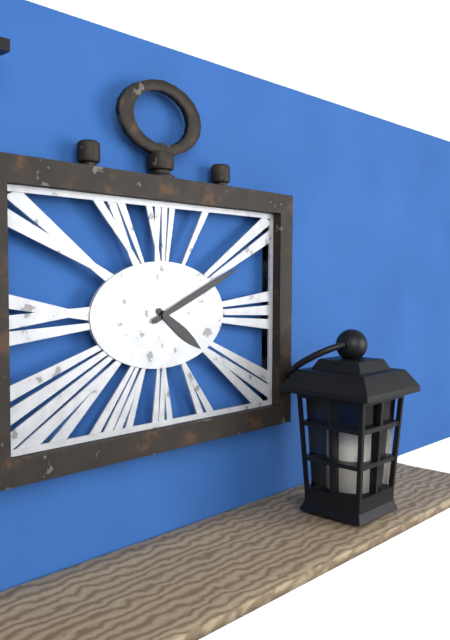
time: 4:11
